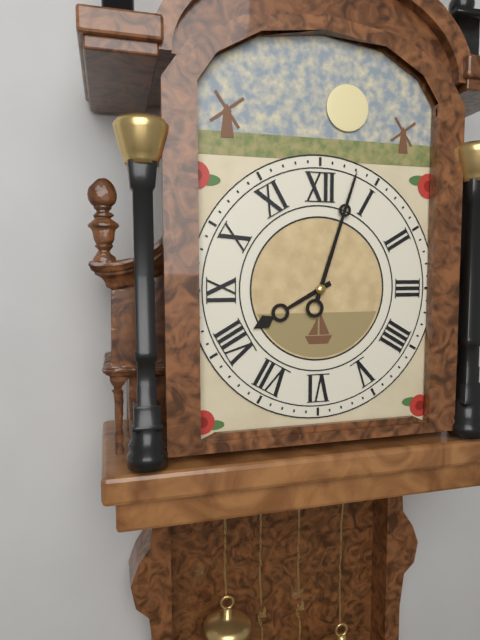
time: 8:03
